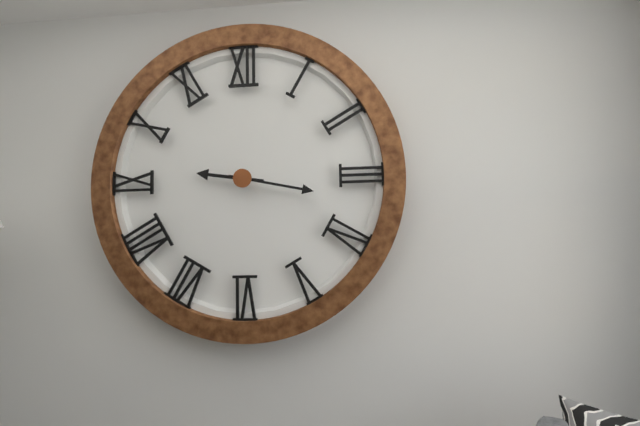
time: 9:17
